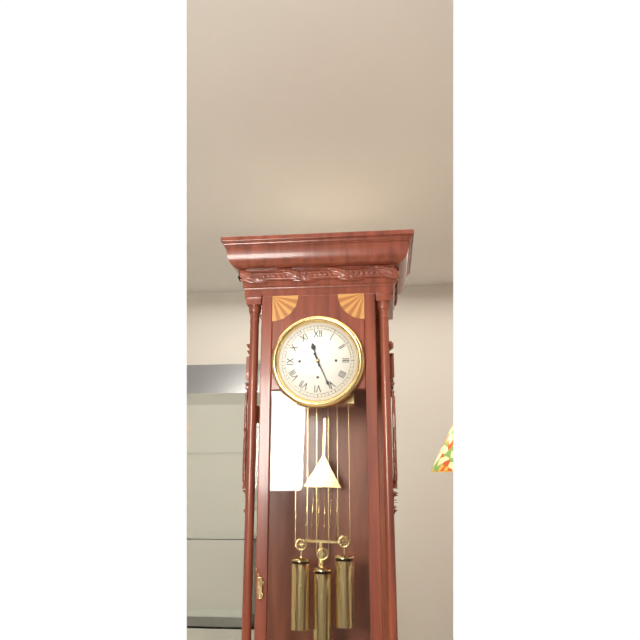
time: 11:26
